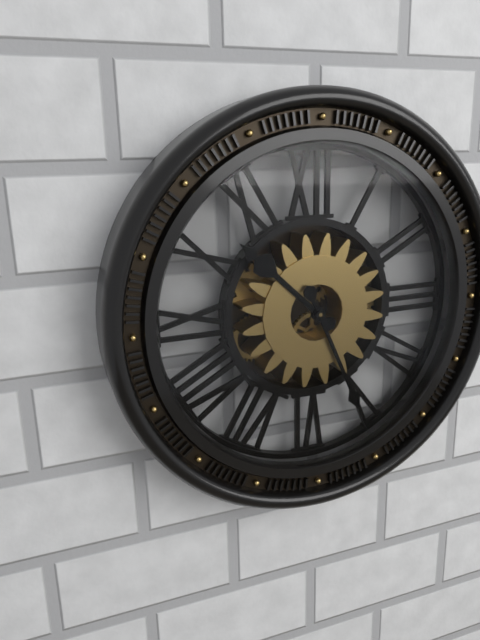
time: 10:26
